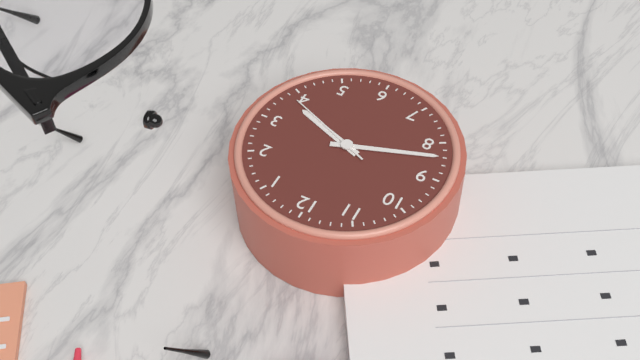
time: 3:42:19
